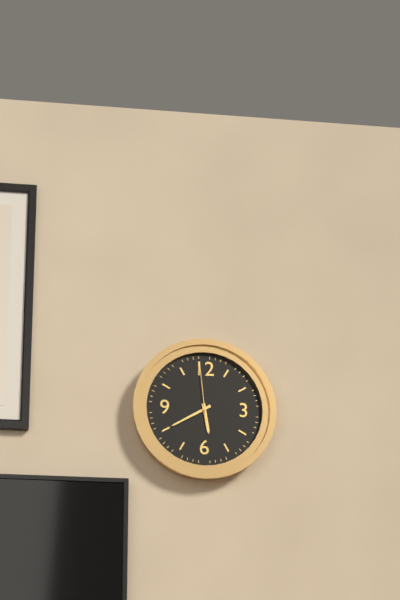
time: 5:40:59
